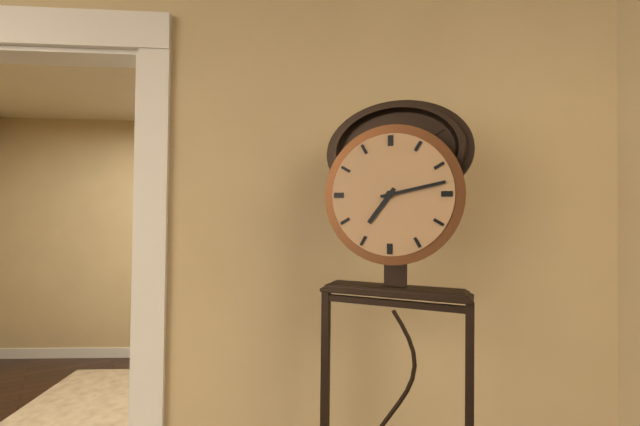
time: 7:13
